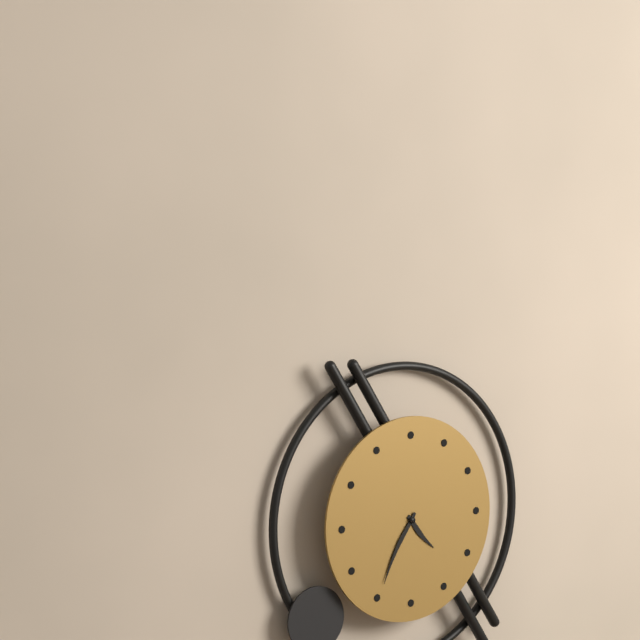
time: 4:35
